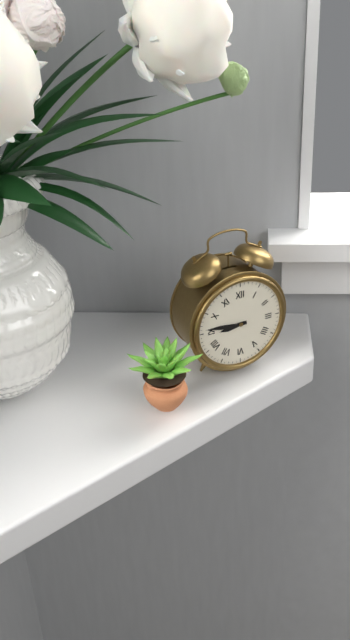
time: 8:46
